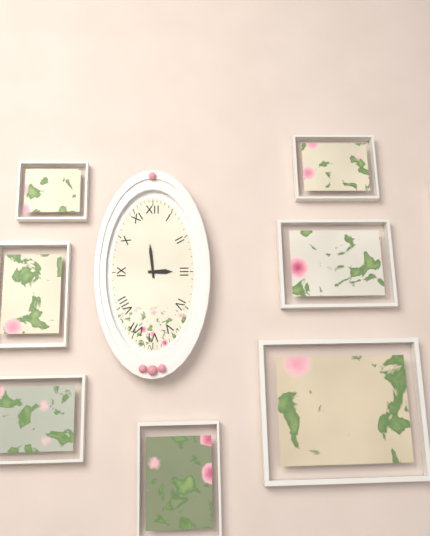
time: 2:59
